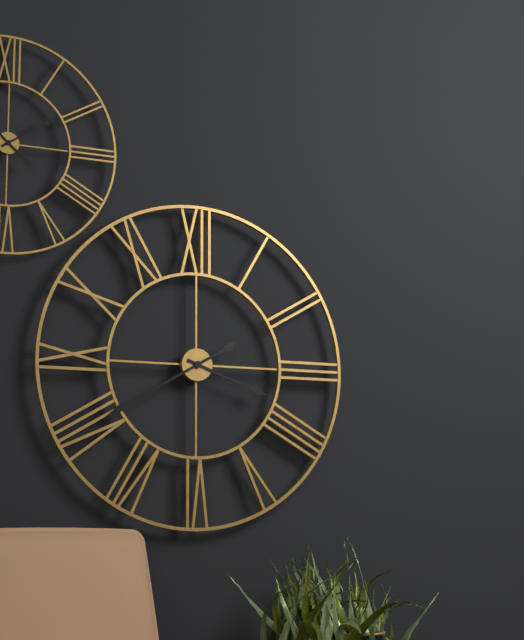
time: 3:40
